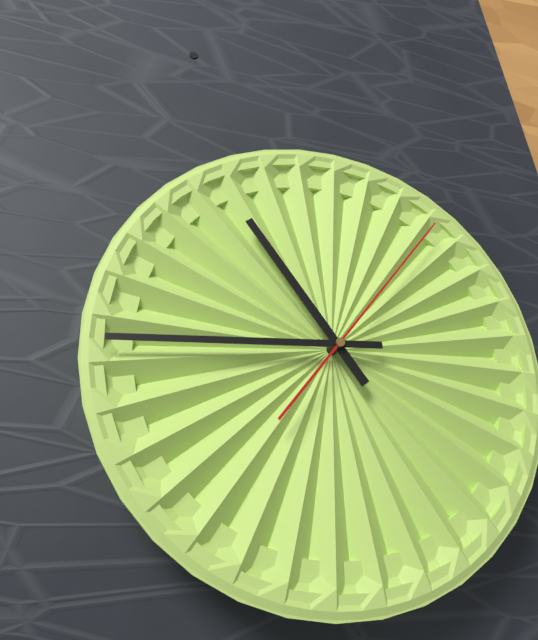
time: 10:44:06
